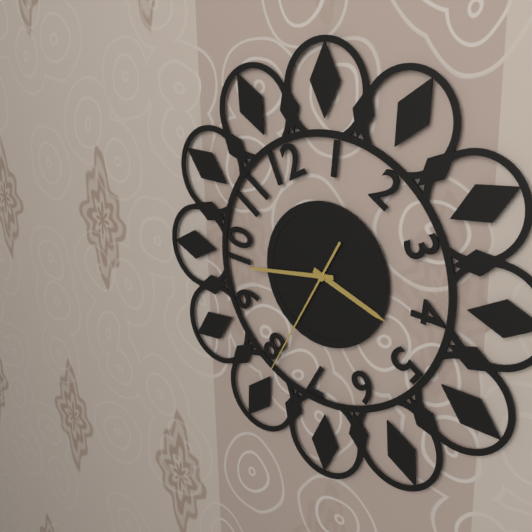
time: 3:44:35
